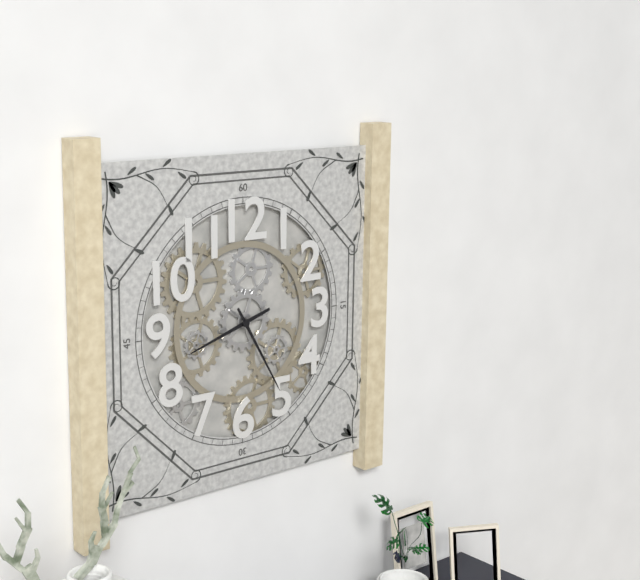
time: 8:25
